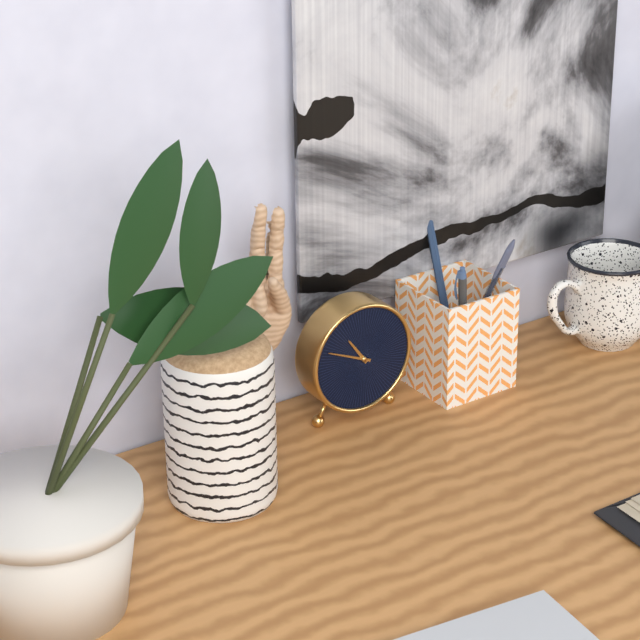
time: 10:49
